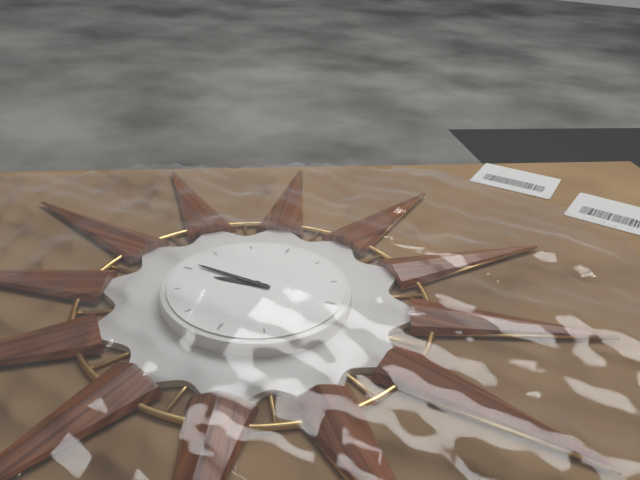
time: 8:46
